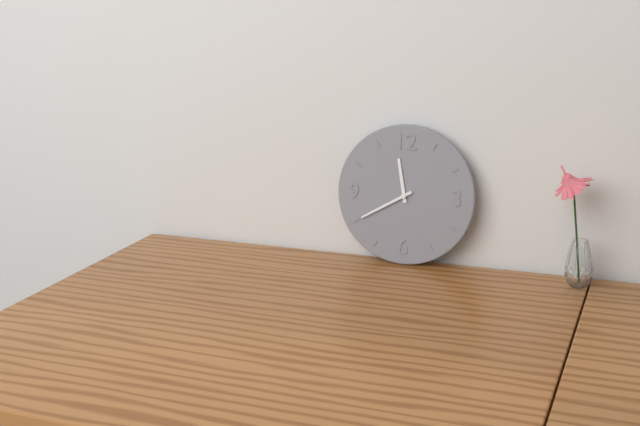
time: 11:40
